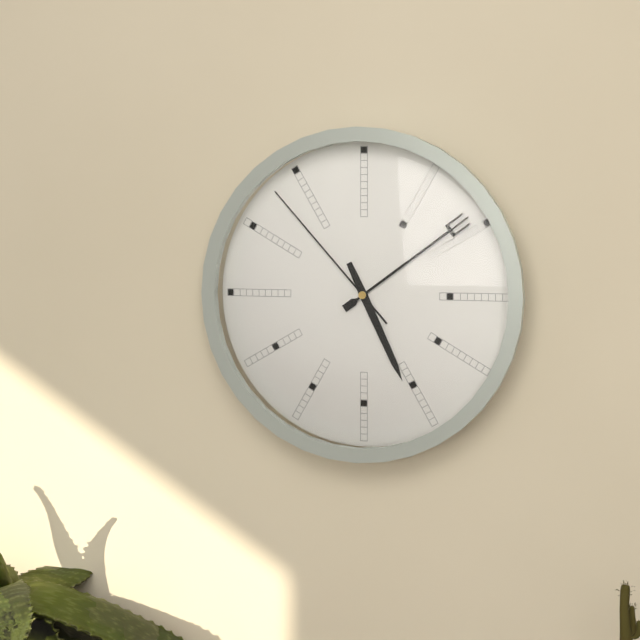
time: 5:09:53
